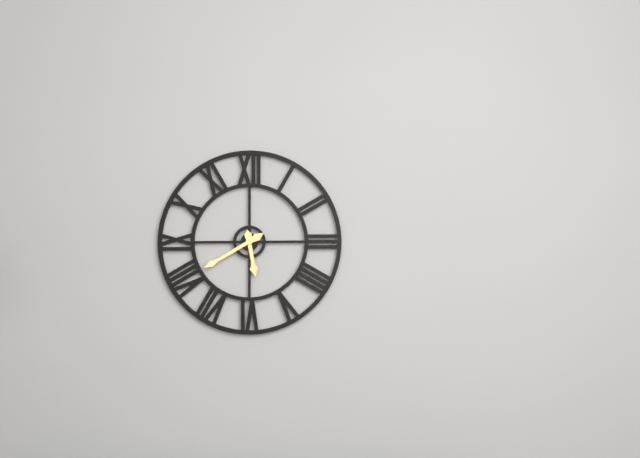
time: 5:40
